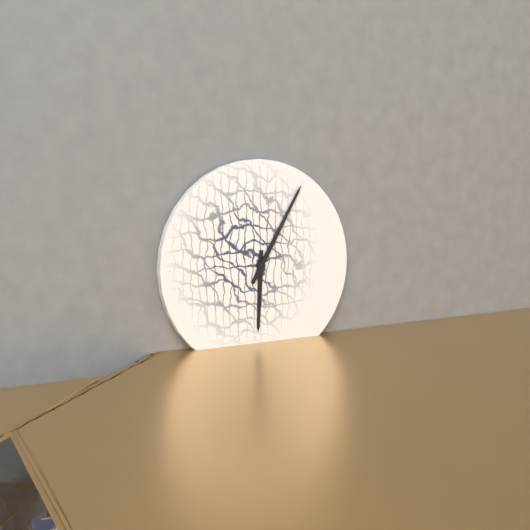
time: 6:05
